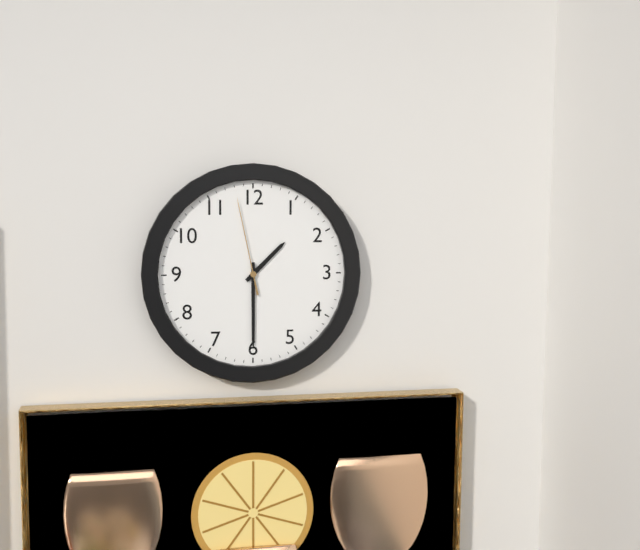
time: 1:30:58
